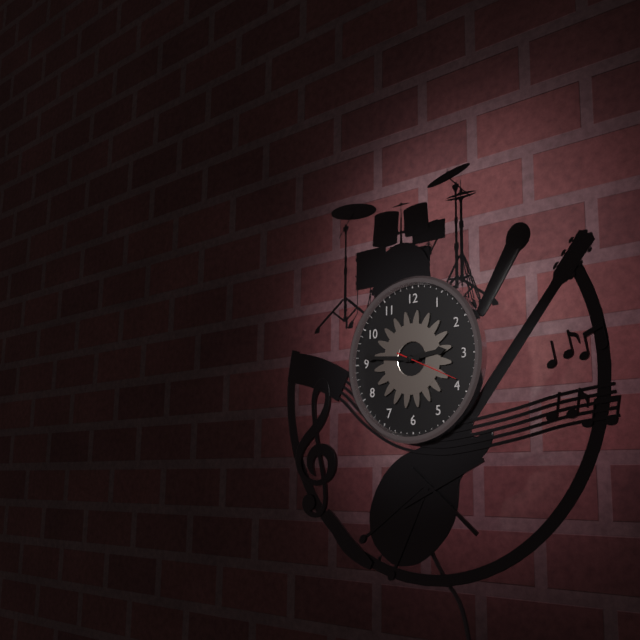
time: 2:46:19
